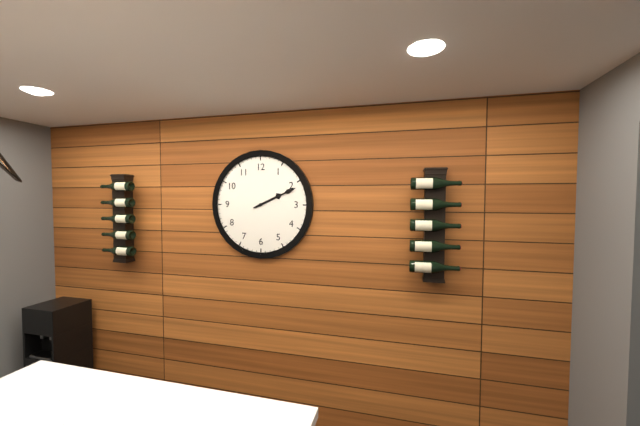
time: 2:11
